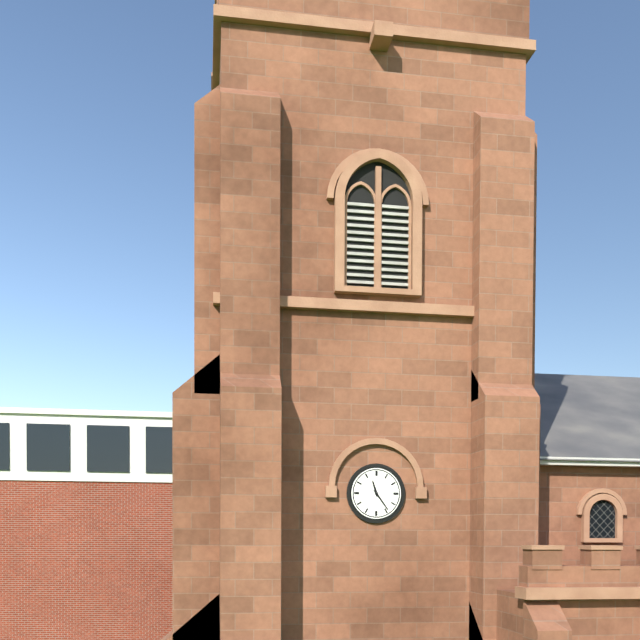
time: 11:24
